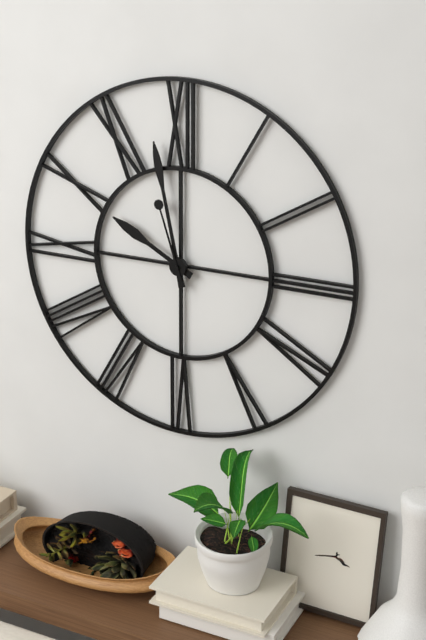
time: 9:58:57
